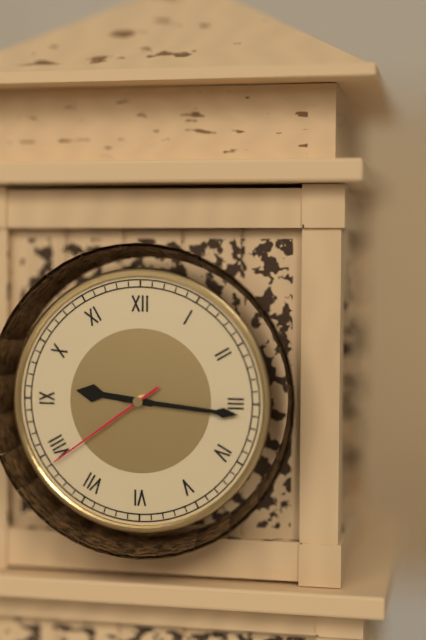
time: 9:16:39
